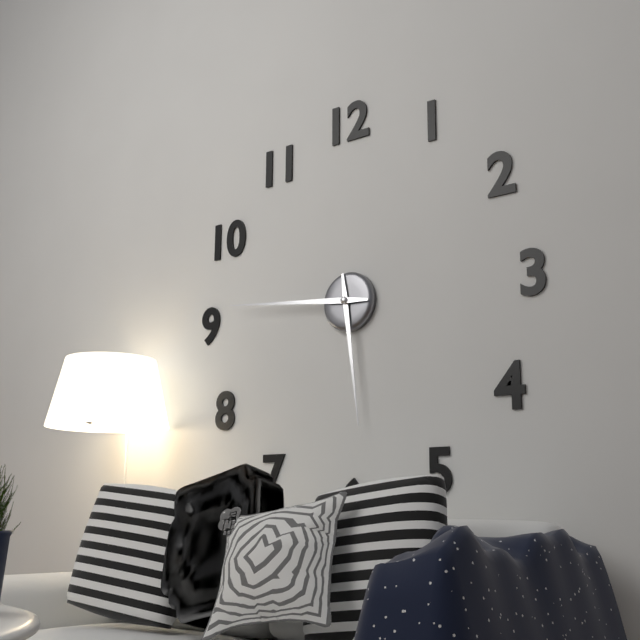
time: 5:46
